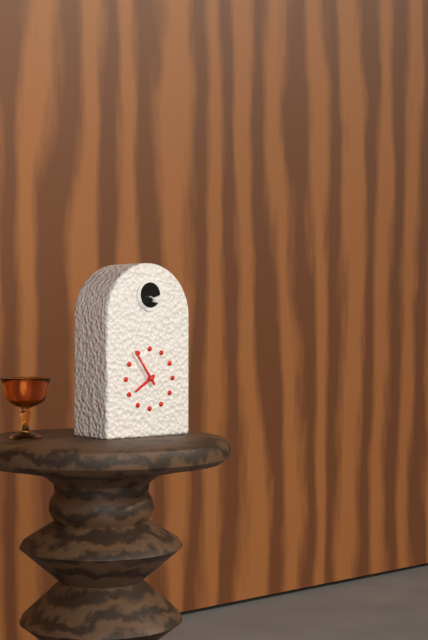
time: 7:54
